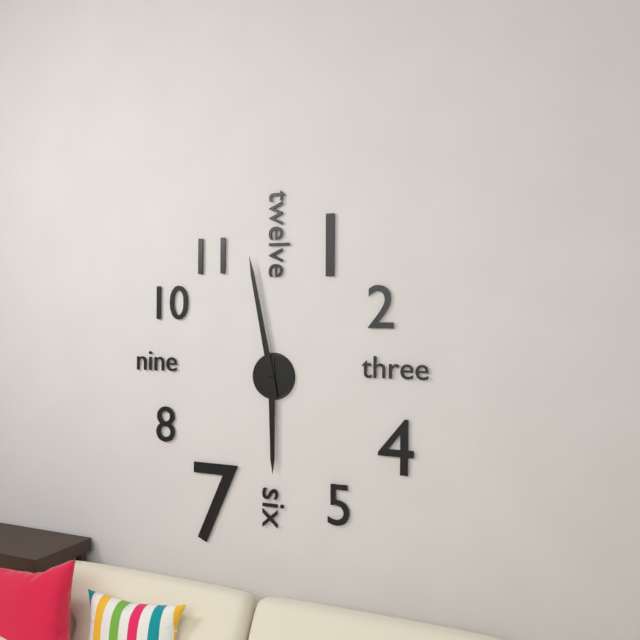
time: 5:58
